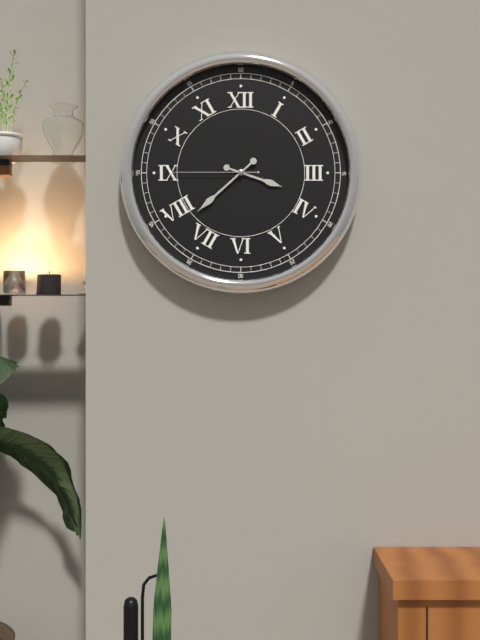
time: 3:38:45
